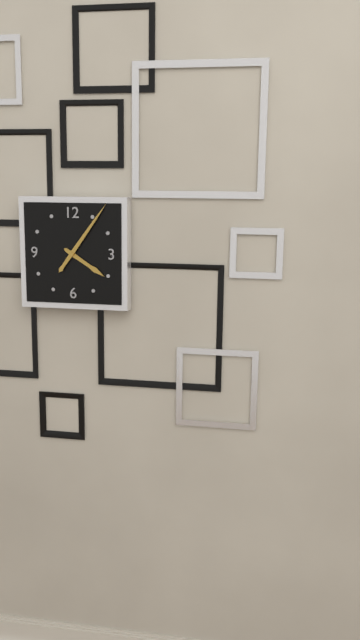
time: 4:06
